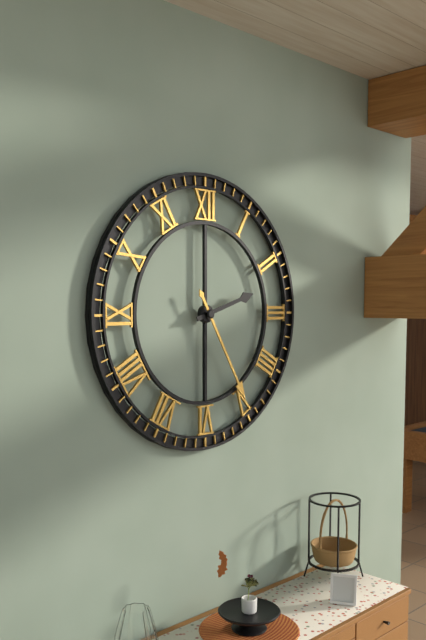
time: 2:25
